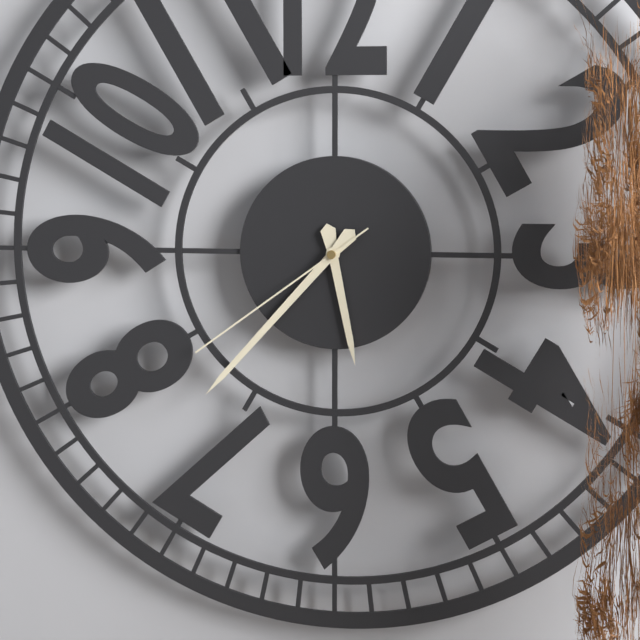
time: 5:37:39
